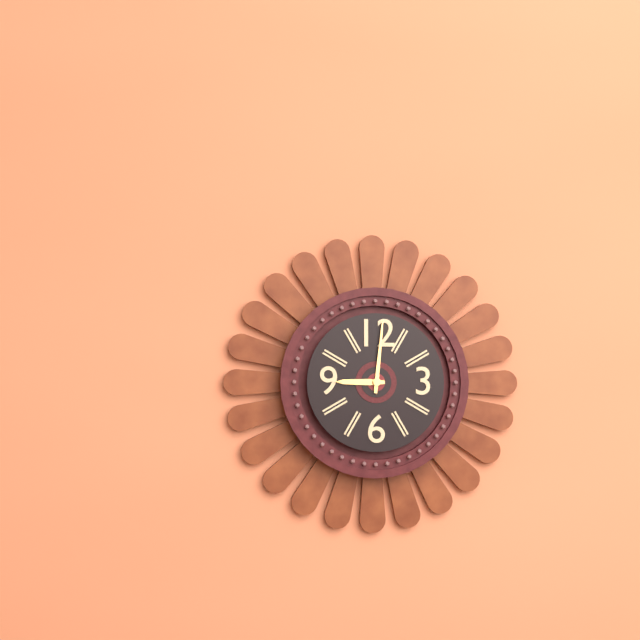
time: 9:01
